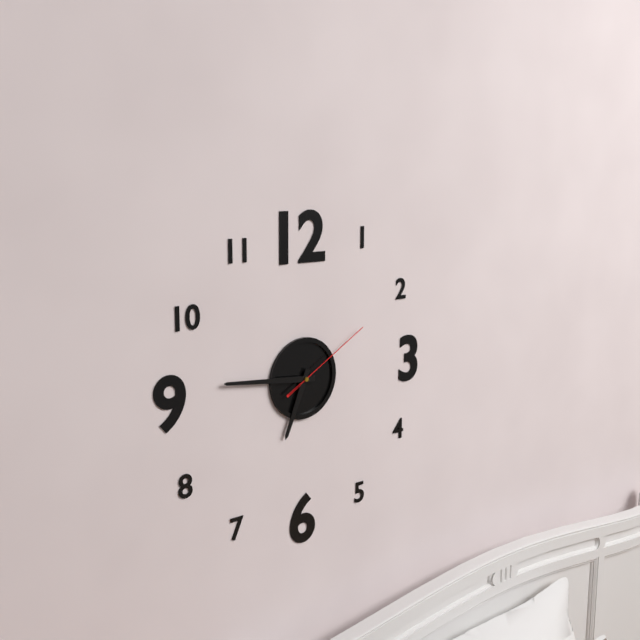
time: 6:46:10
